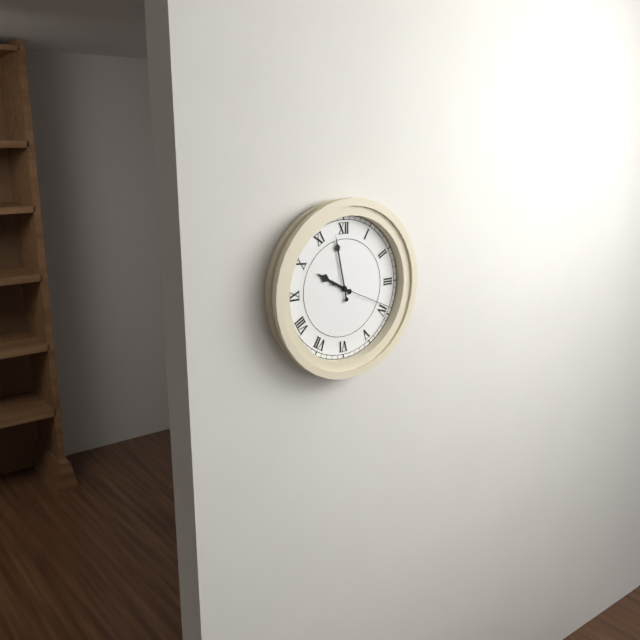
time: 9:58:19
